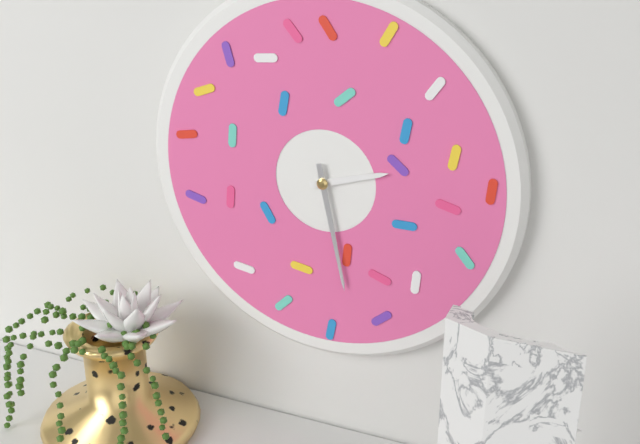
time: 2:28
